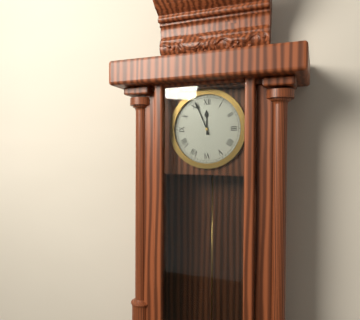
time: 11:56
